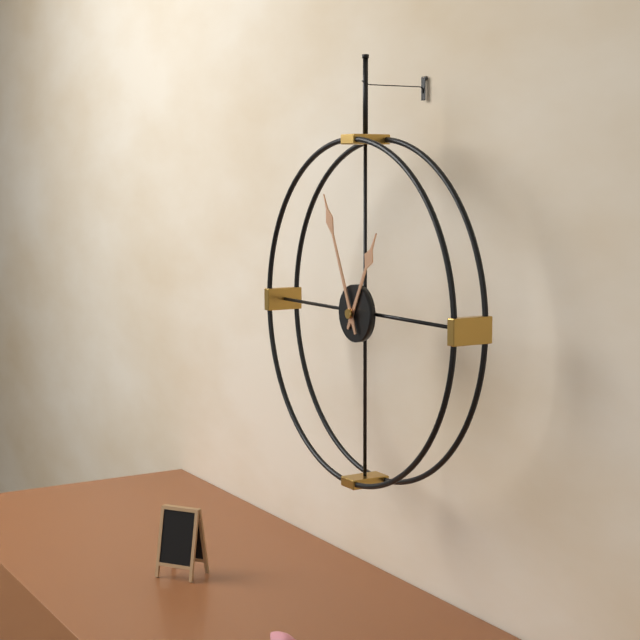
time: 12:56
